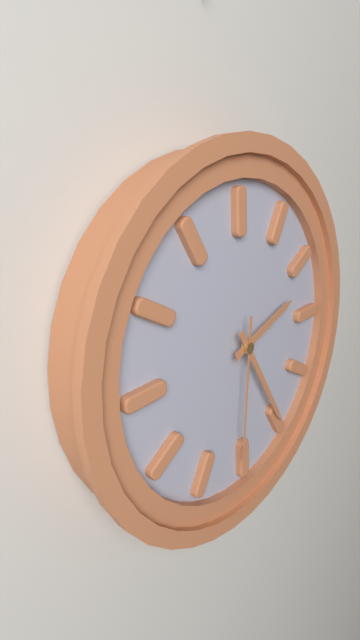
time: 2:25:31
